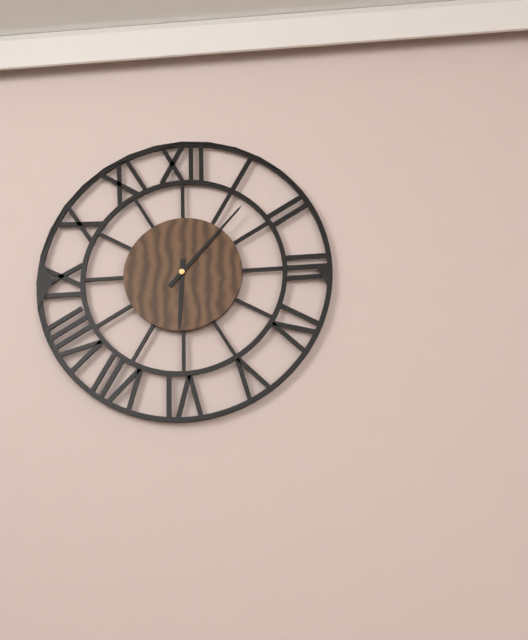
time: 6:07
